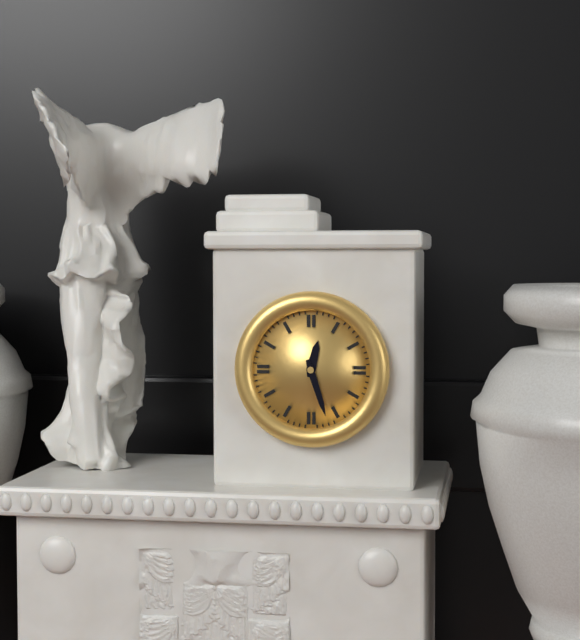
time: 12:27
